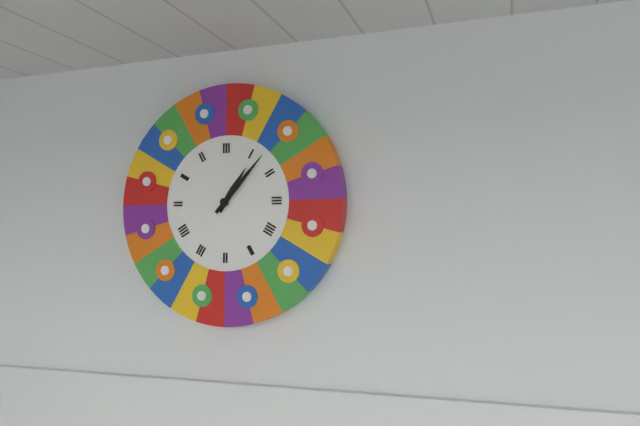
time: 1:07
